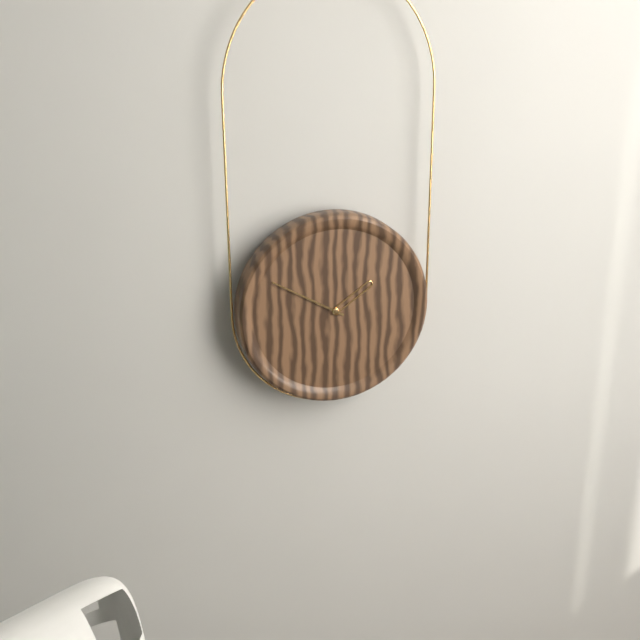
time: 1:50
